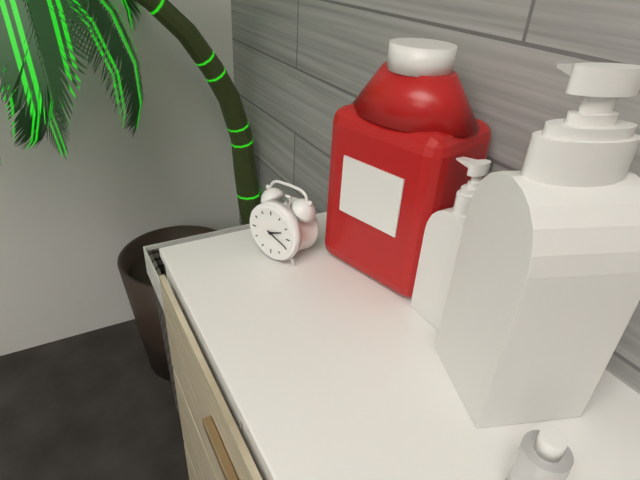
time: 2:19
